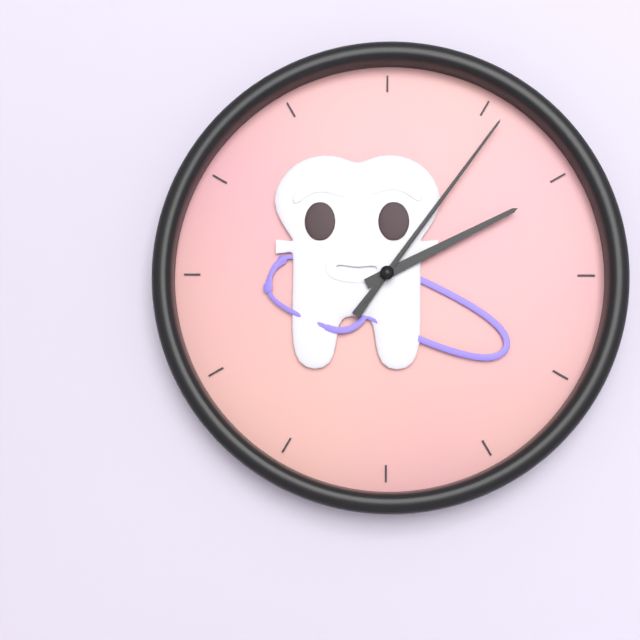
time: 2:06:06
